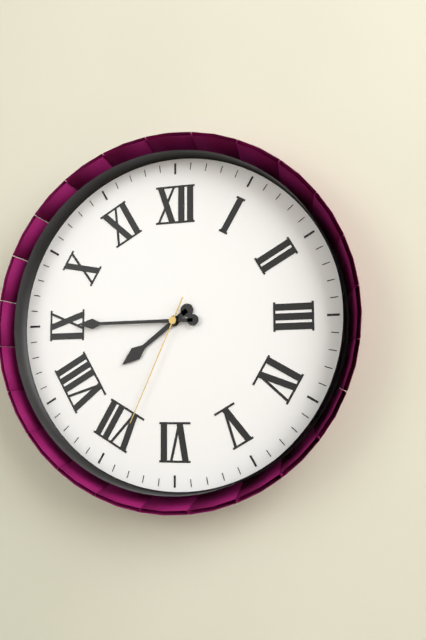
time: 7:45:34
